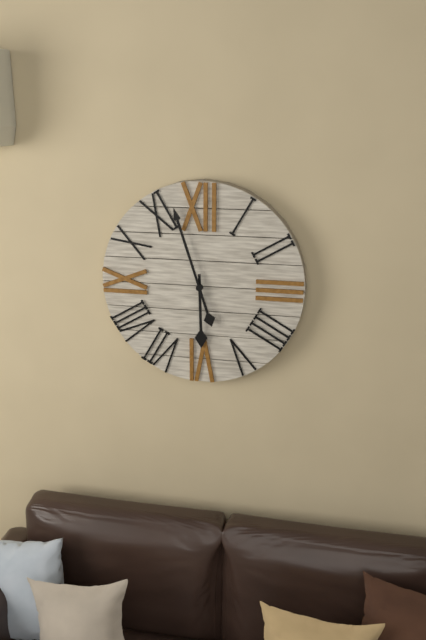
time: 5:57
